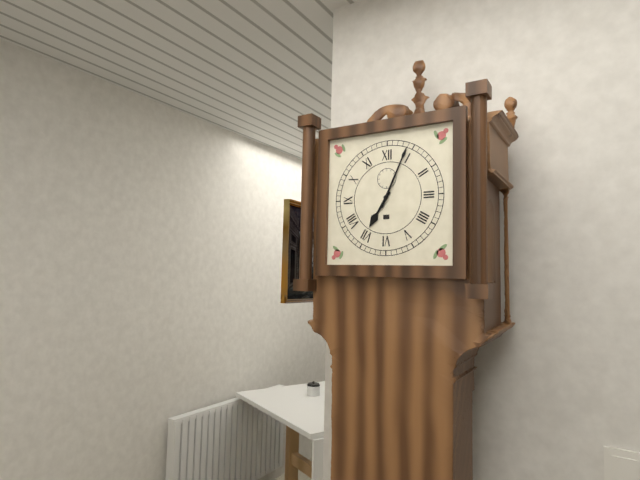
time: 7:04
